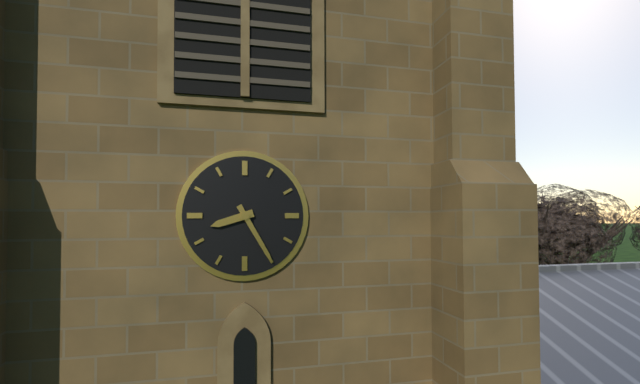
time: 8:25
